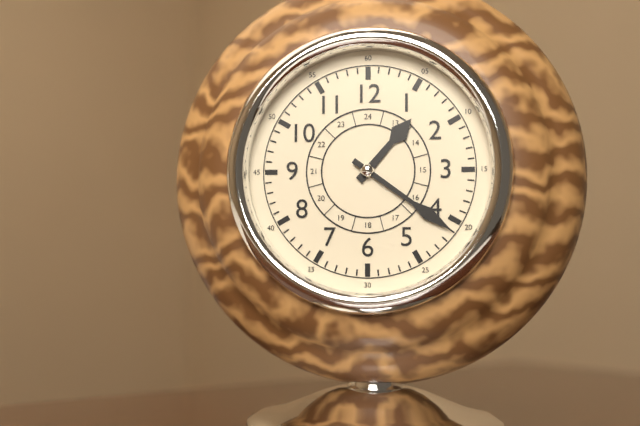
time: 1:21
